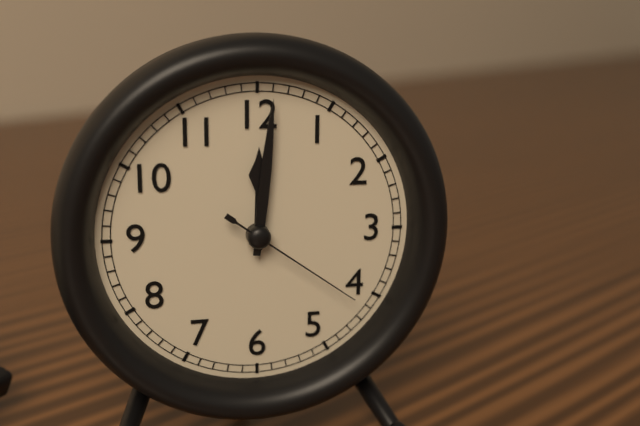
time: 12:01:21
